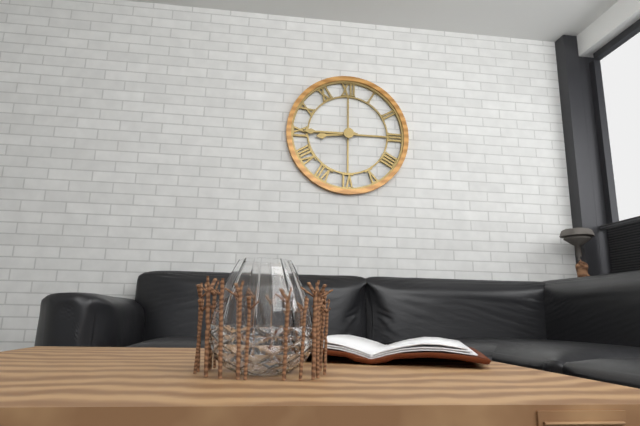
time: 8:45
